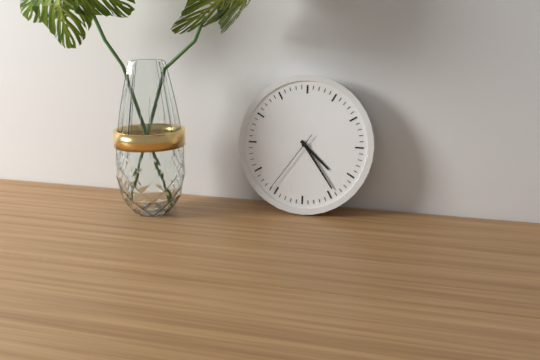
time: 4:24:36
